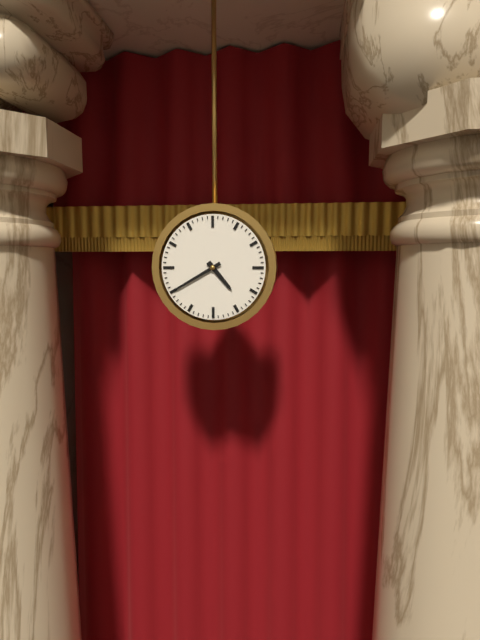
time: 4:40
